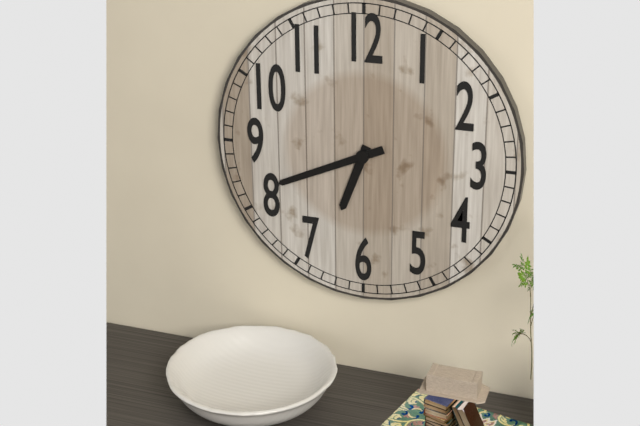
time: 6:41
